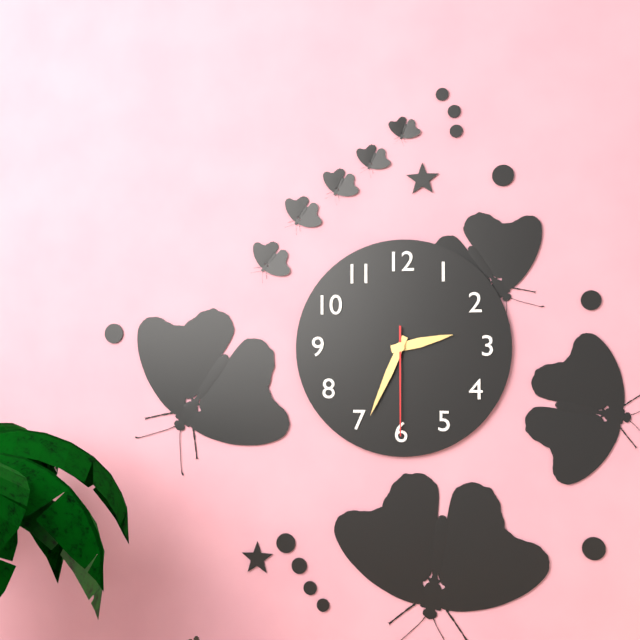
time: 2:34:30
